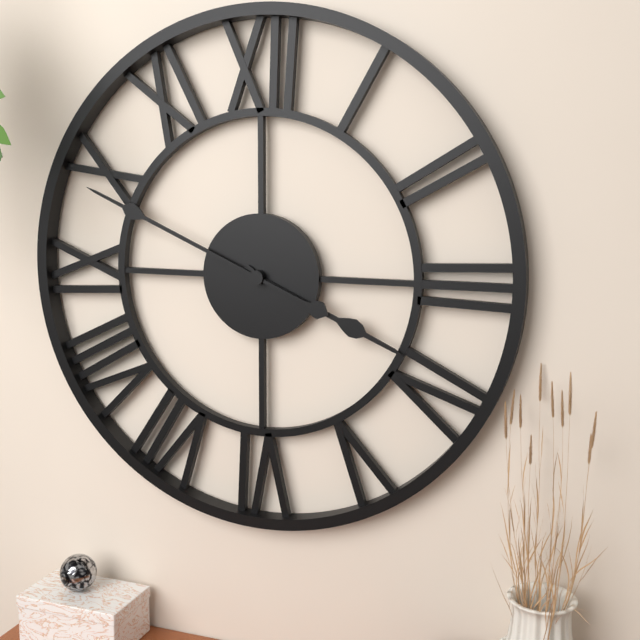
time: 3:49
